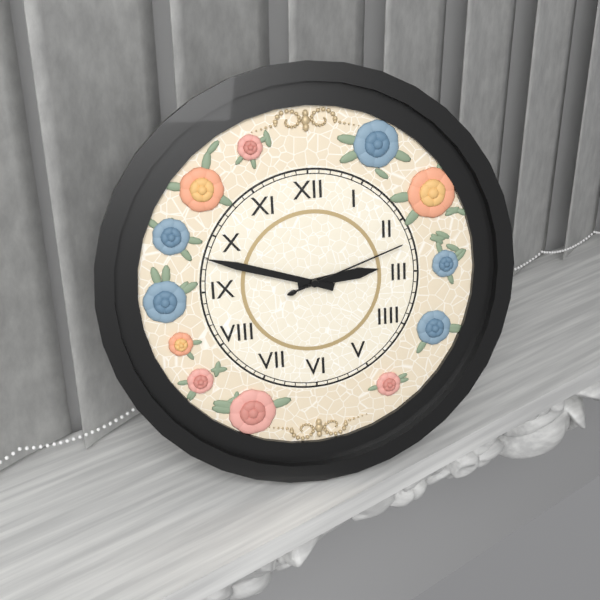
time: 2:48:12
